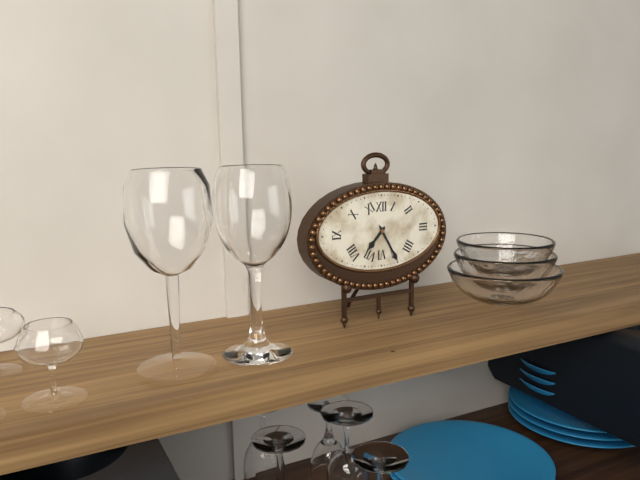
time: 7:25
